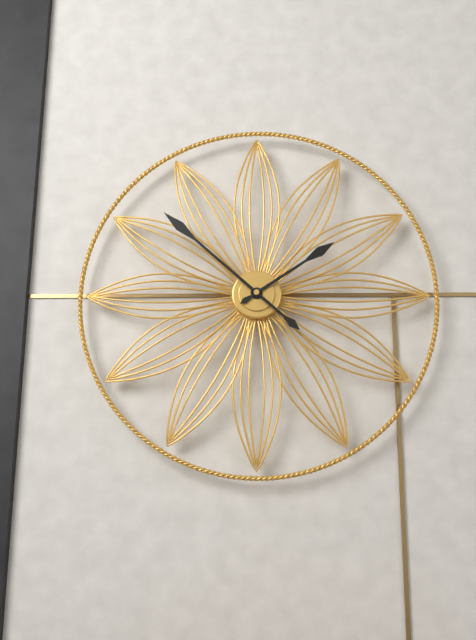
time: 1:52
